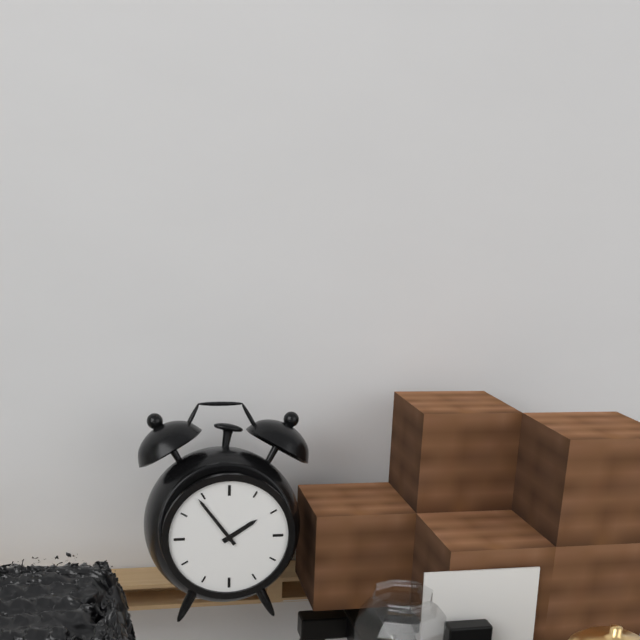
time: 1:54
